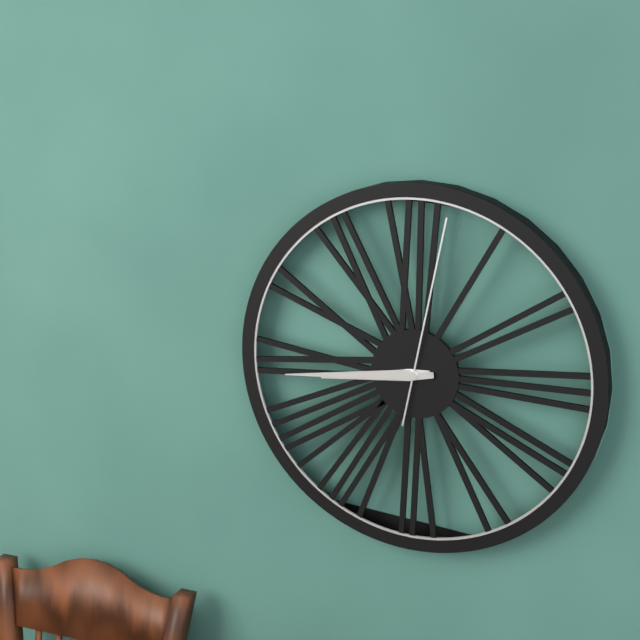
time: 8:44:02
